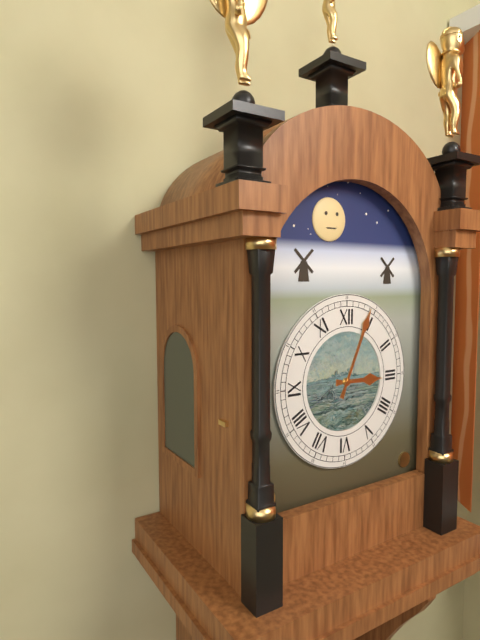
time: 3:04
